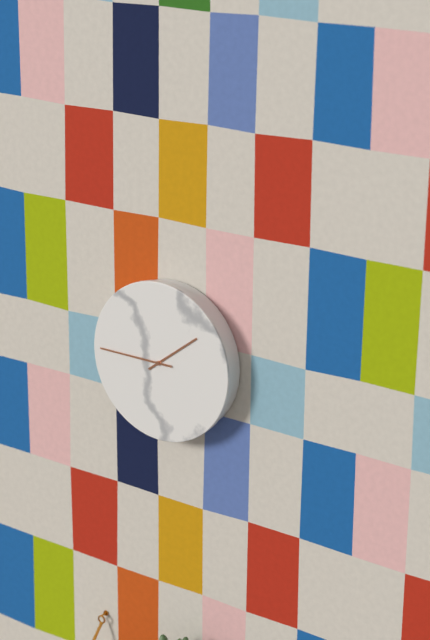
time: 1:45
